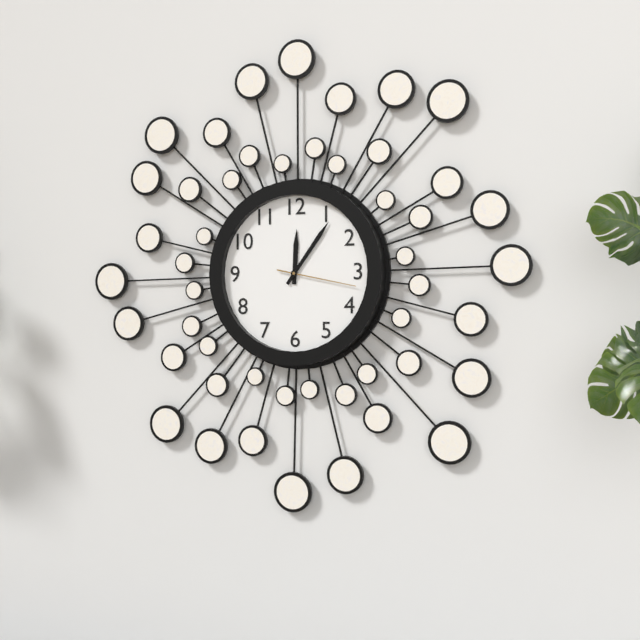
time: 12:06:17
